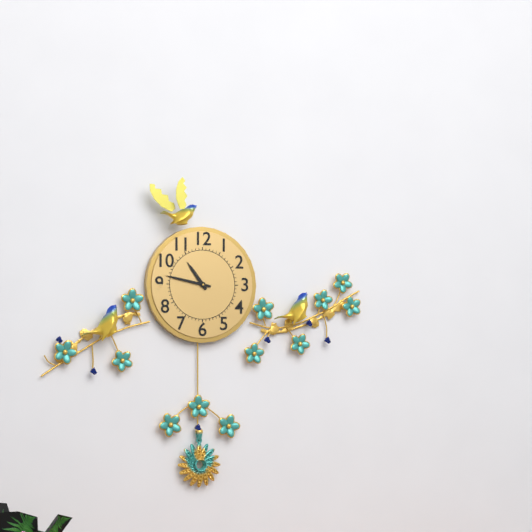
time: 10:47
